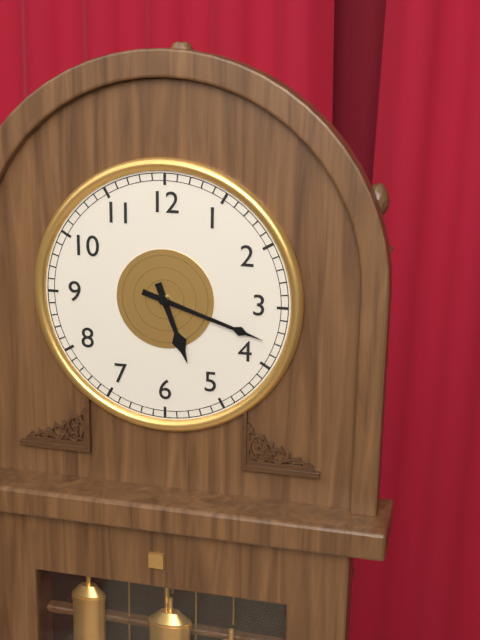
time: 5:18
